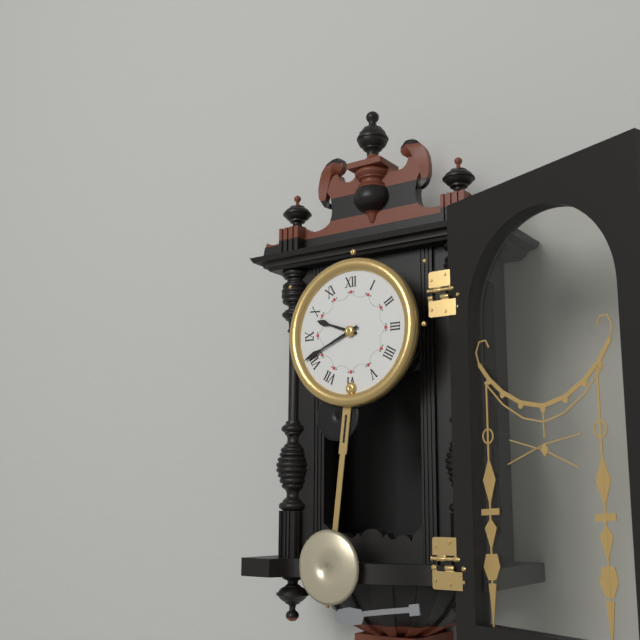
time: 9:41
